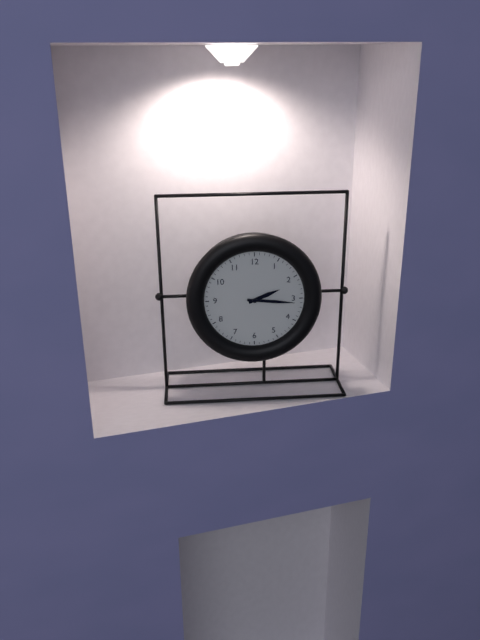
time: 2:16
